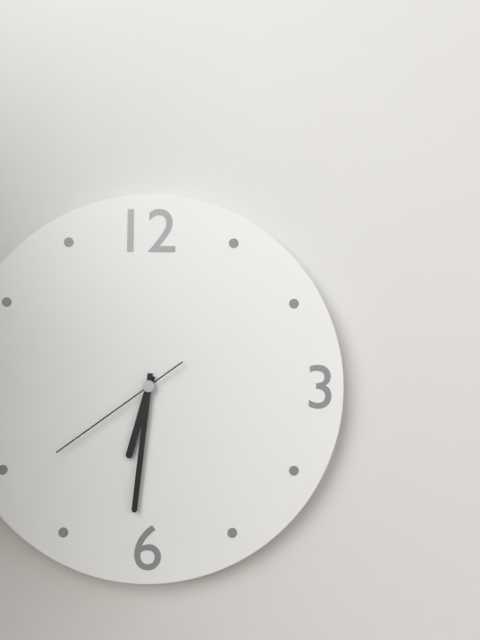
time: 6:31:39
